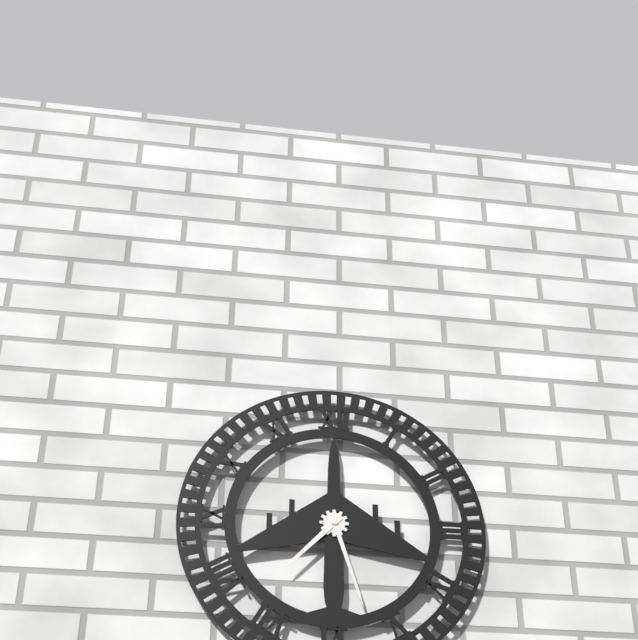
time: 7:27
